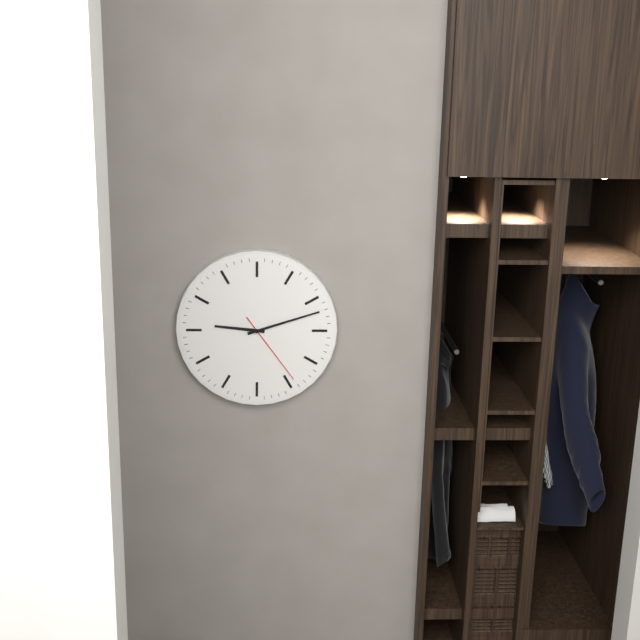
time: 9:12:24
